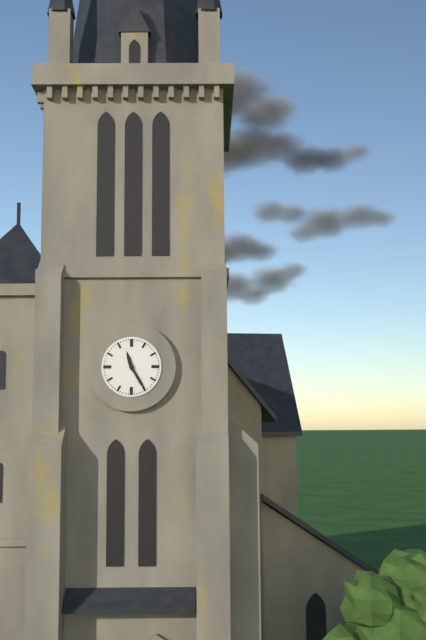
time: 11:25
